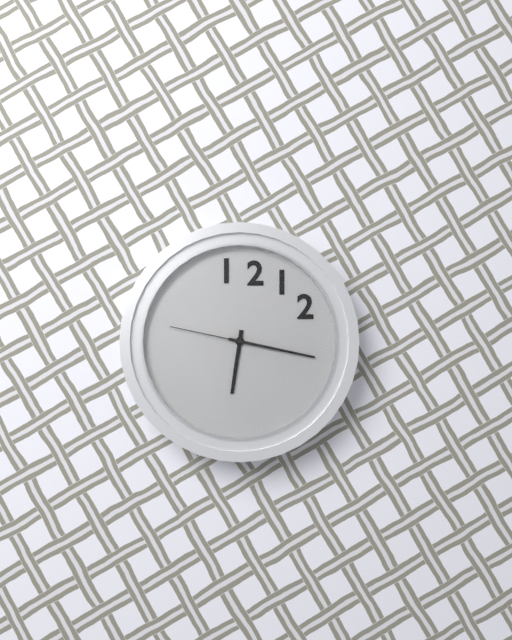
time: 6:17:47
